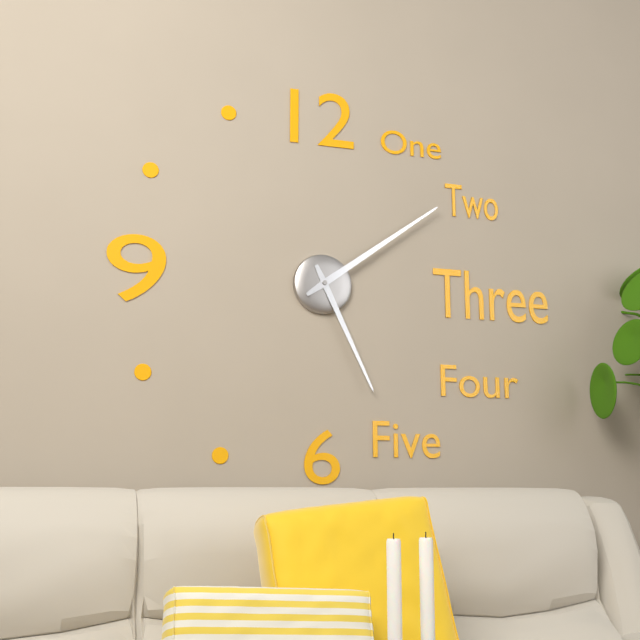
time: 5:09
